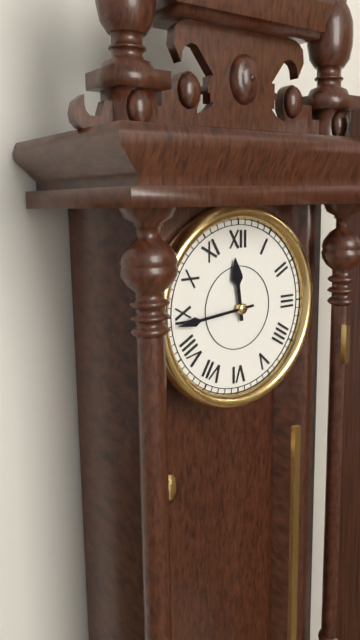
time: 11:44
